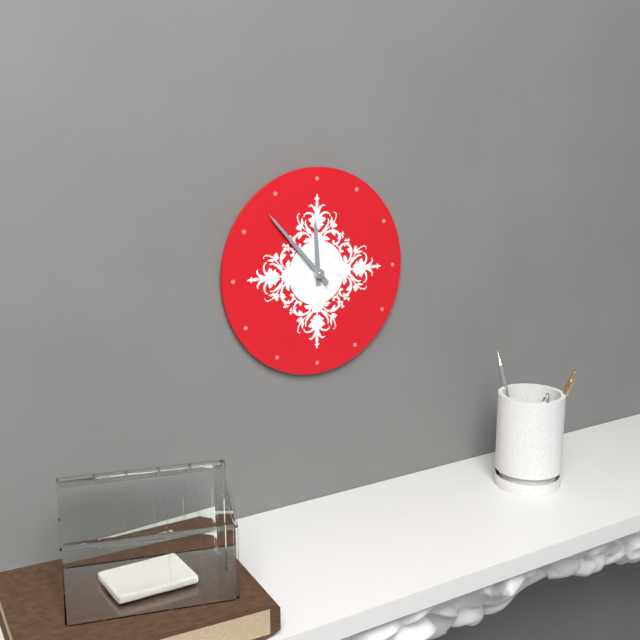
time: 11:53
